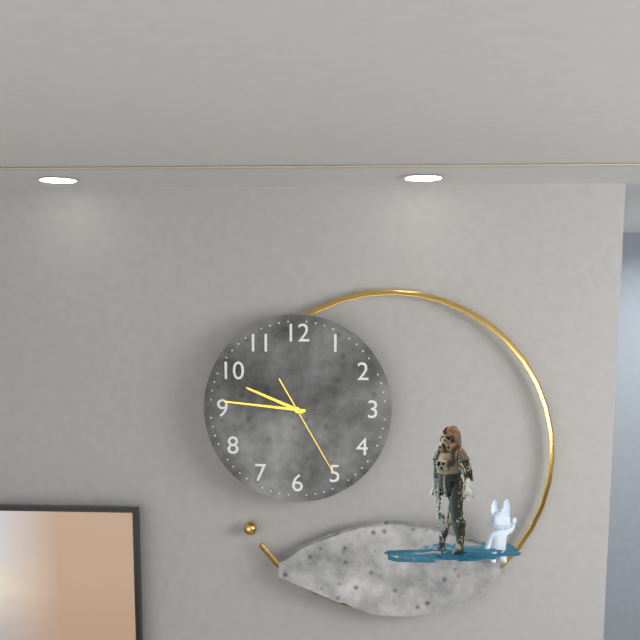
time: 9:46:25
